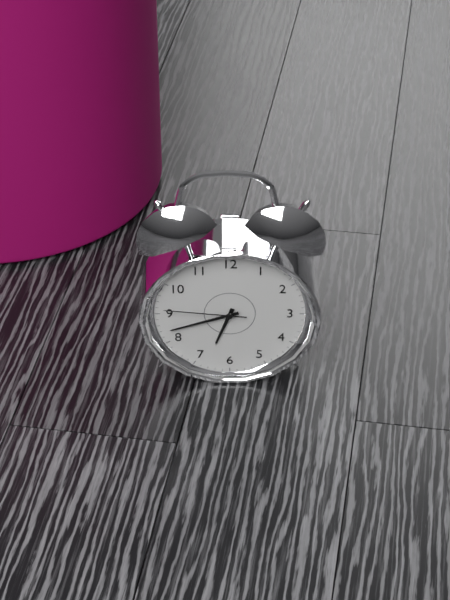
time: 6:42:46
